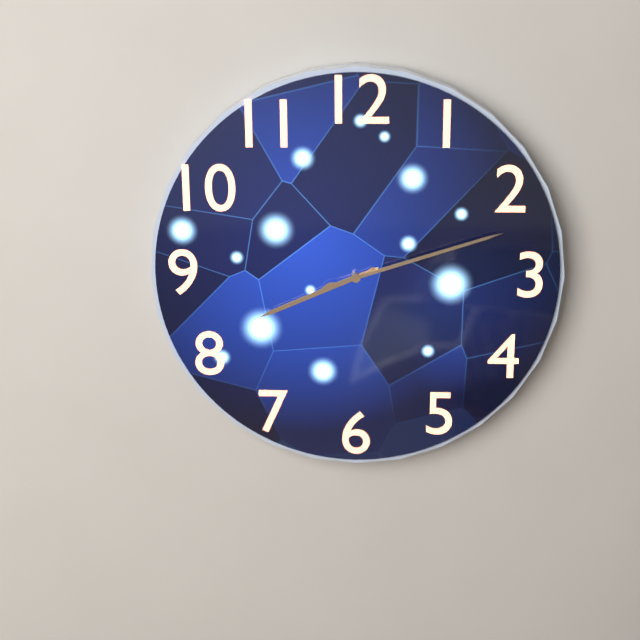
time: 8:12
